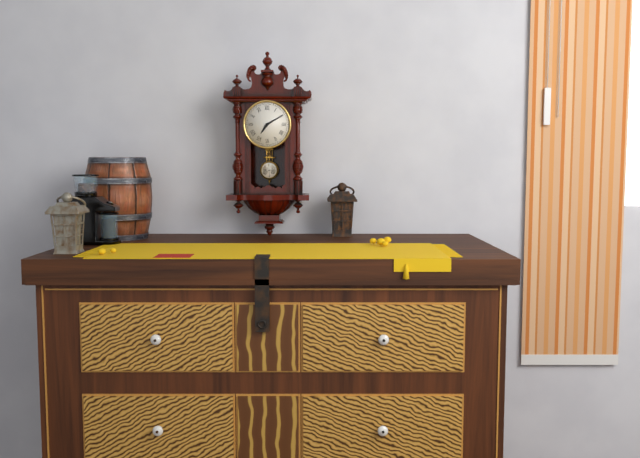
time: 7:10
